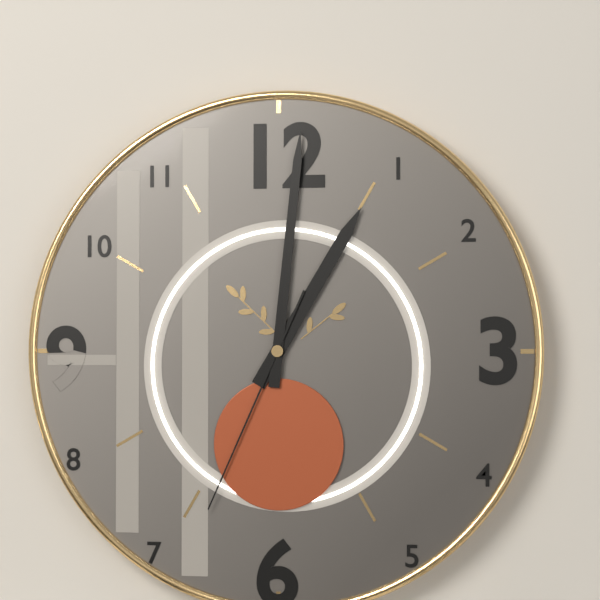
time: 1:01:34
